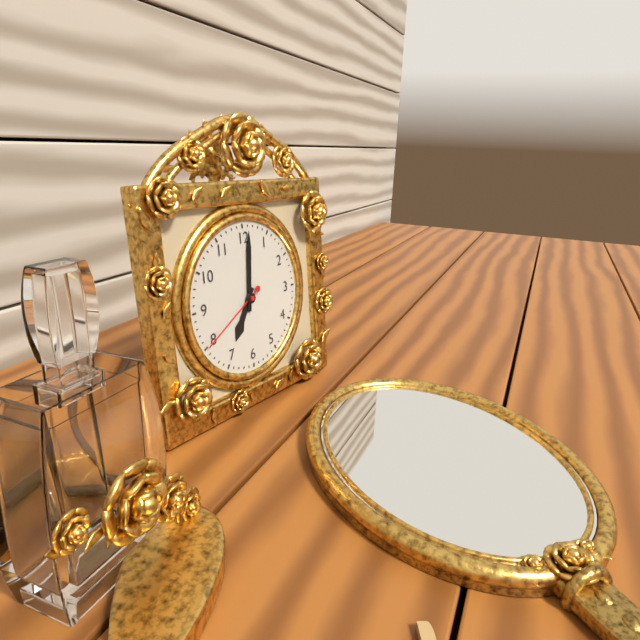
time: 7:01:40
